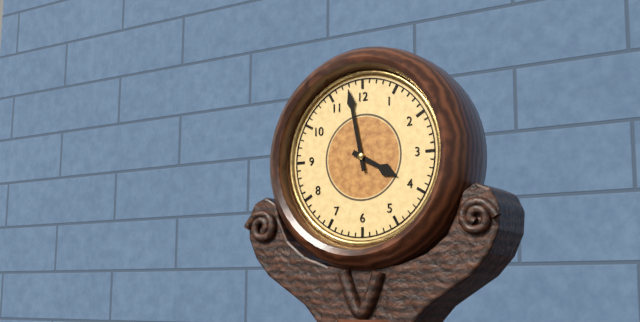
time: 3:58
